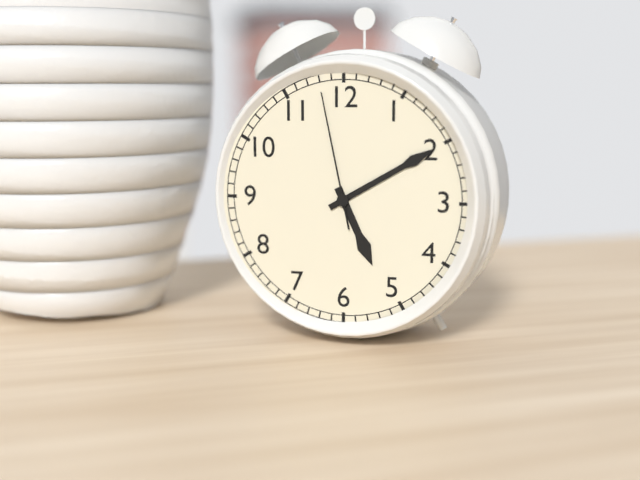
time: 5:10:58
